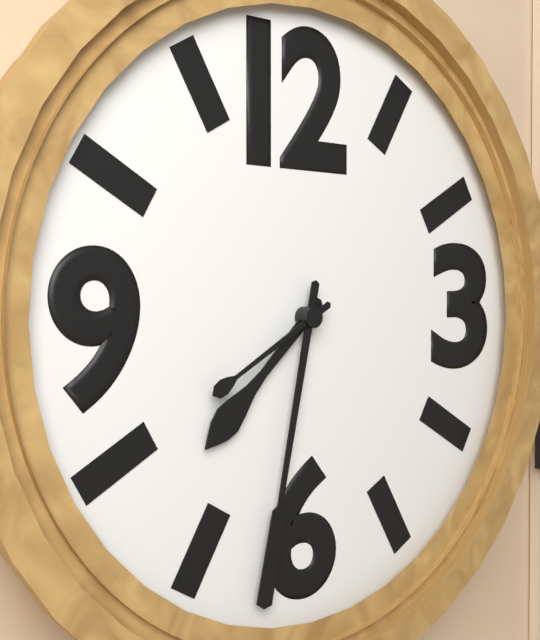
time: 7:32:40
